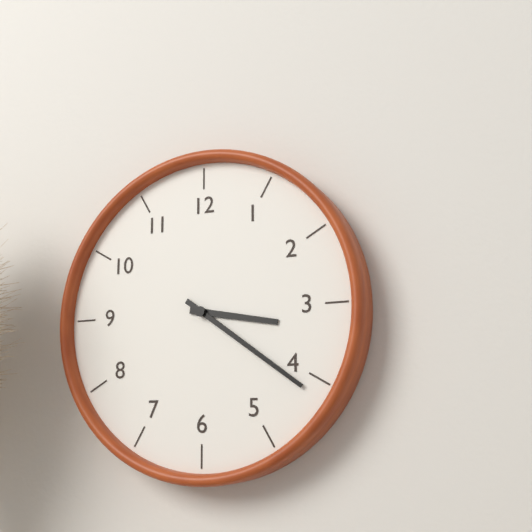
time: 3:21
